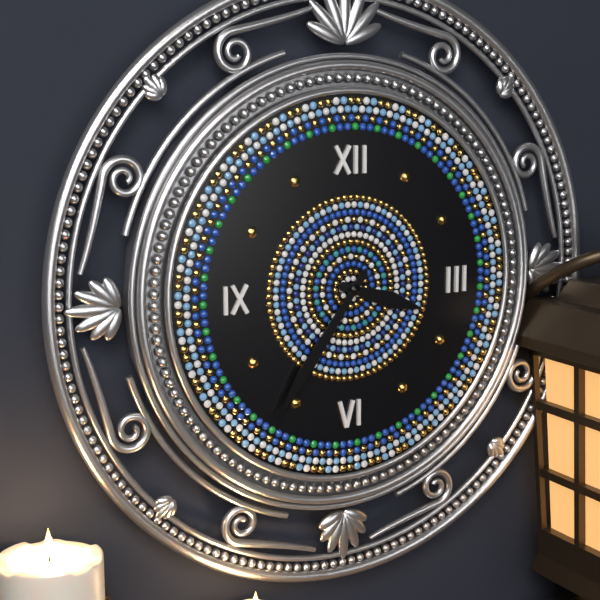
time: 3:36
